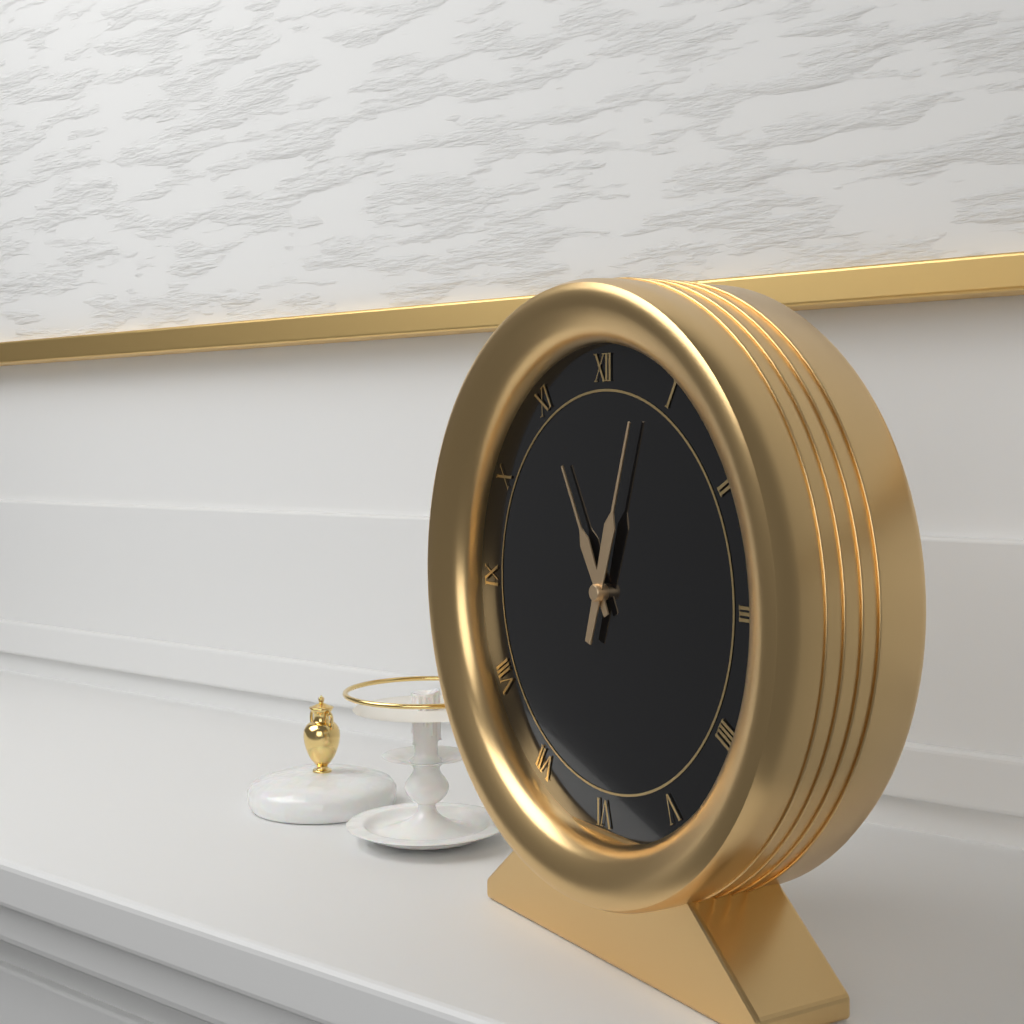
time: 11:03
